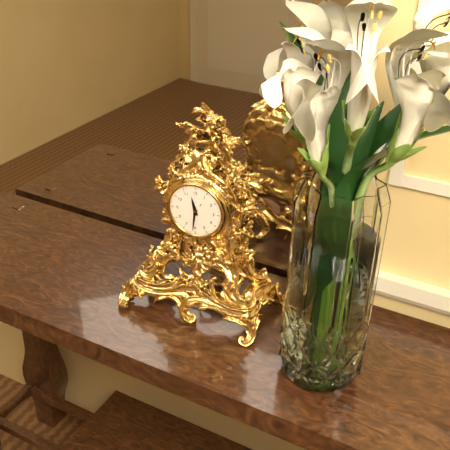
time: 11:31
